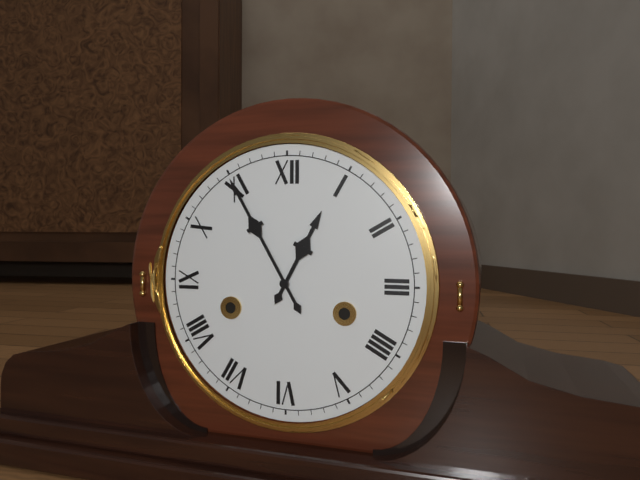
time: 12:55
